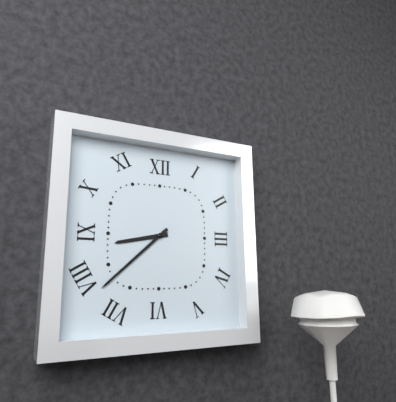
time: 8:38
